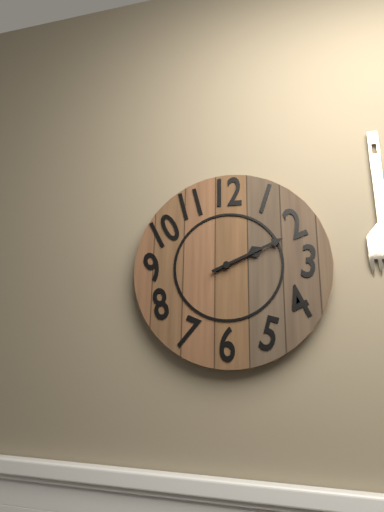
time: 2:11
